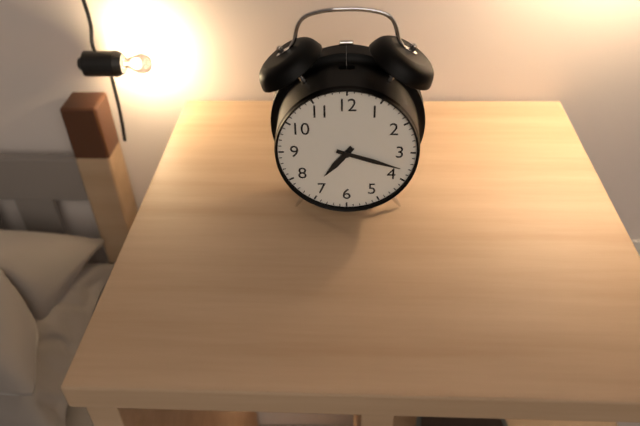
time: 7:18
